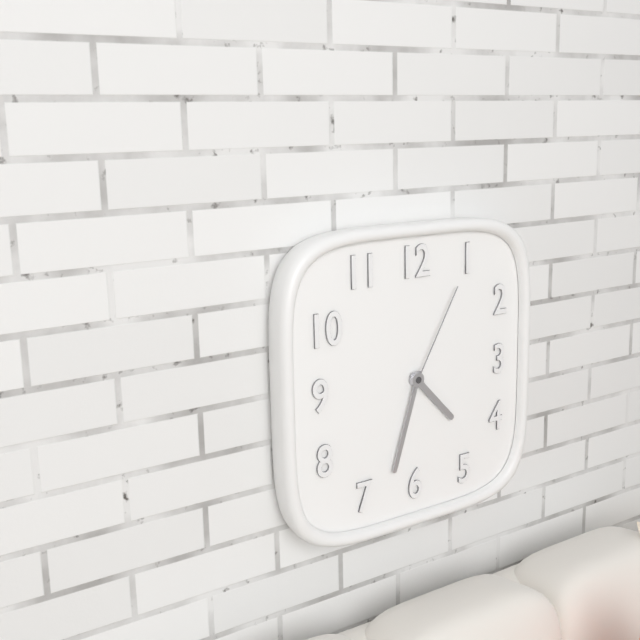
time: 4:33:05
